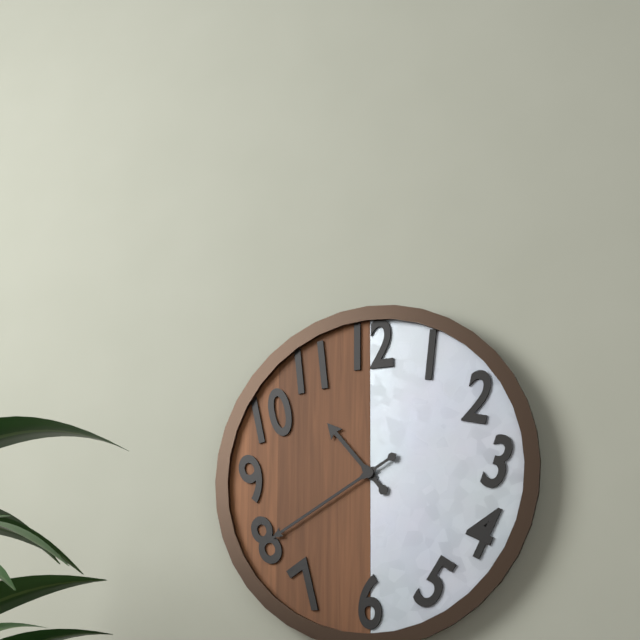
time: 10:40
